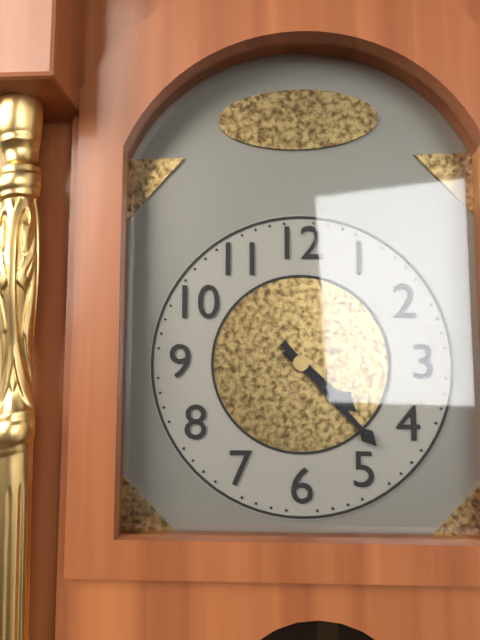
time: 4:23
